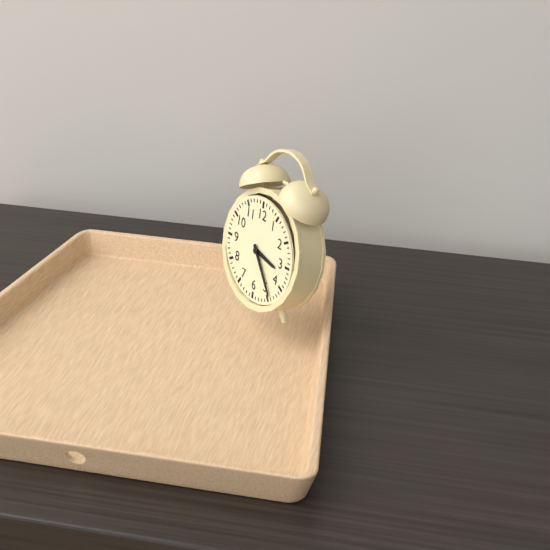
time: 3:24
